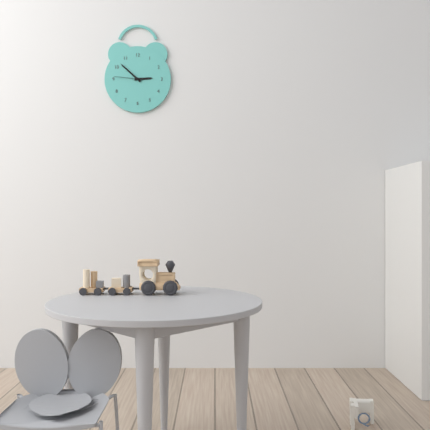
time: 2:52
